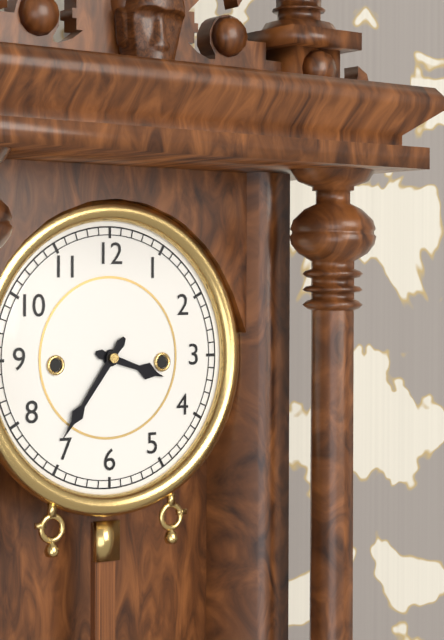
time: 3:36
